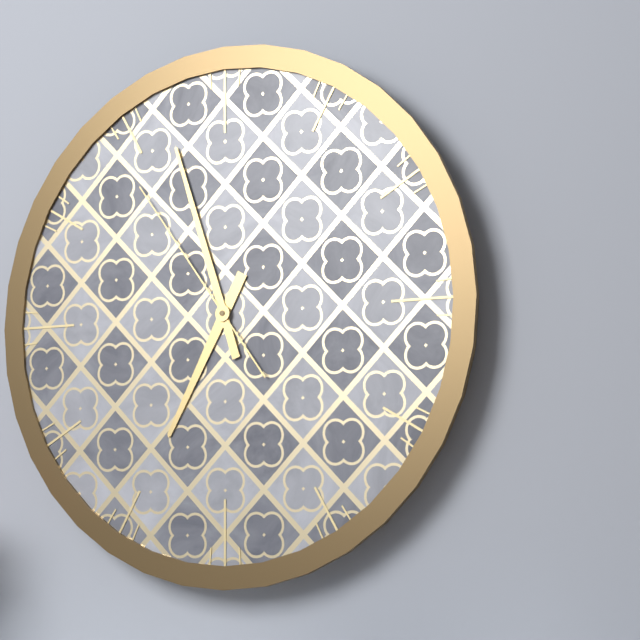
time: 6:57:54
